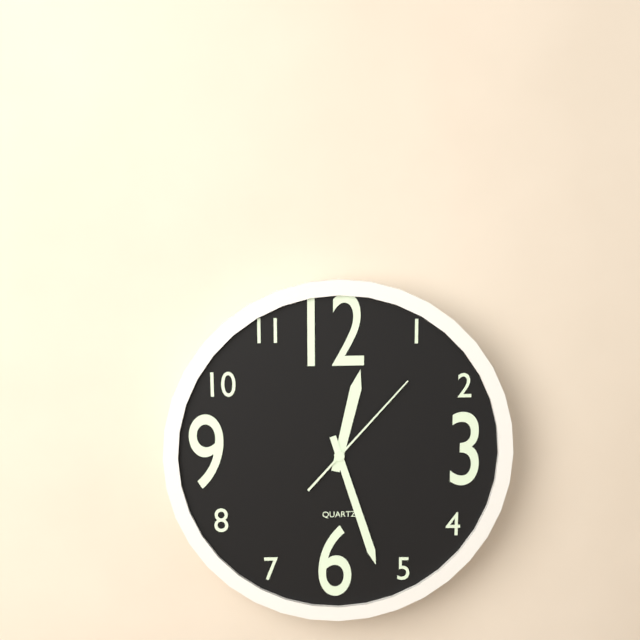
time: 12:27:07
